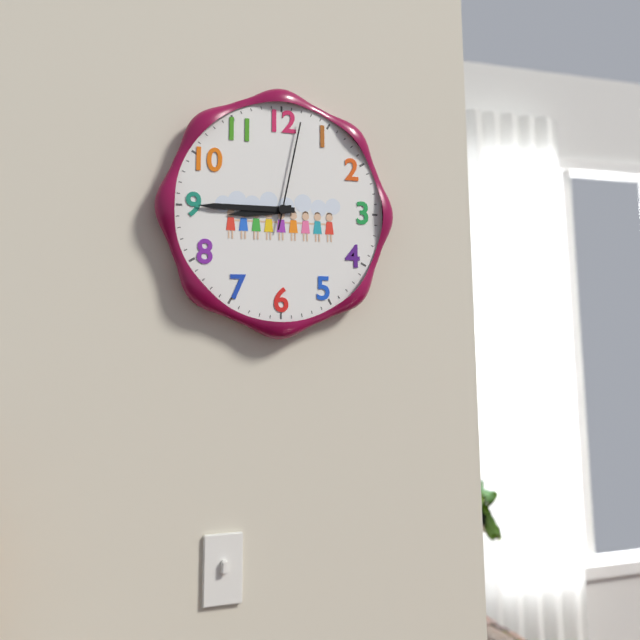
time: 8:45:02
